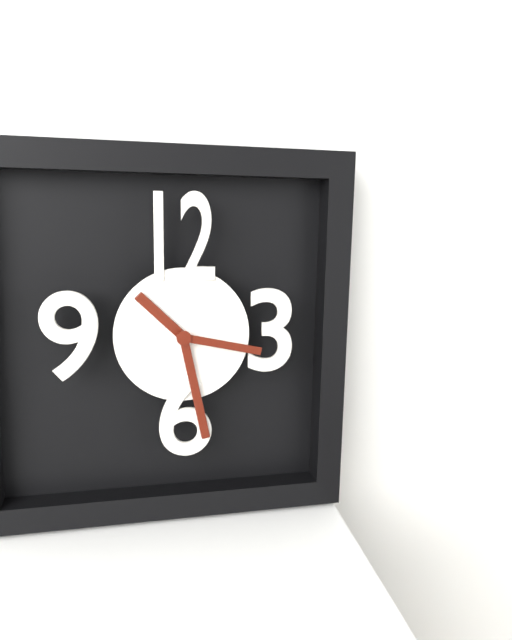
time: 10:28:17
